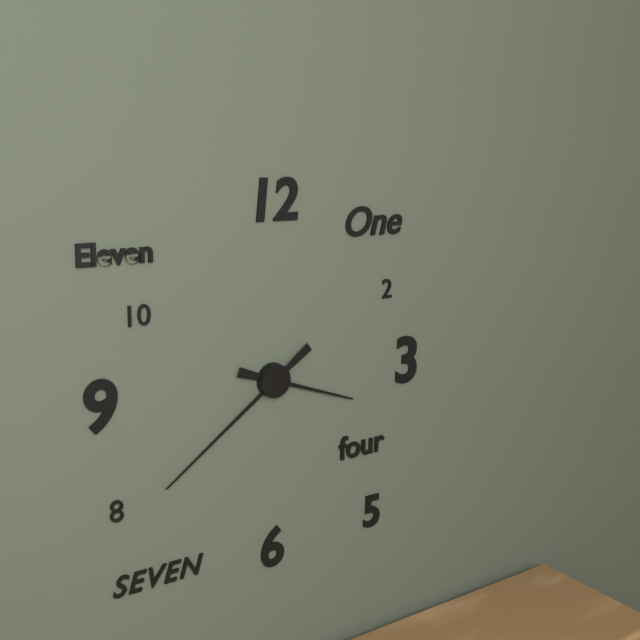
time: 3:39
